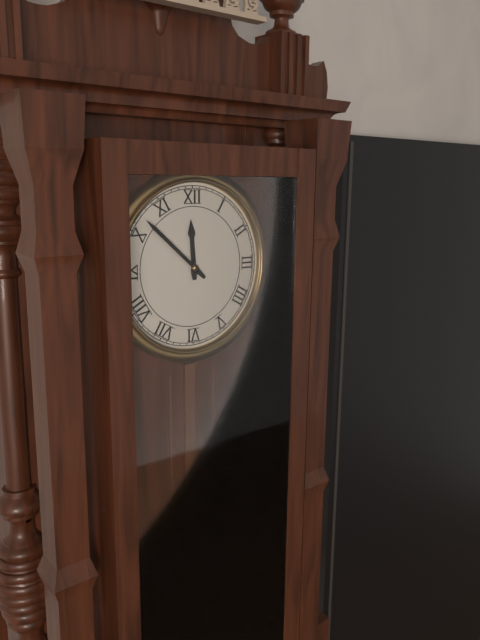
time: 11:52
